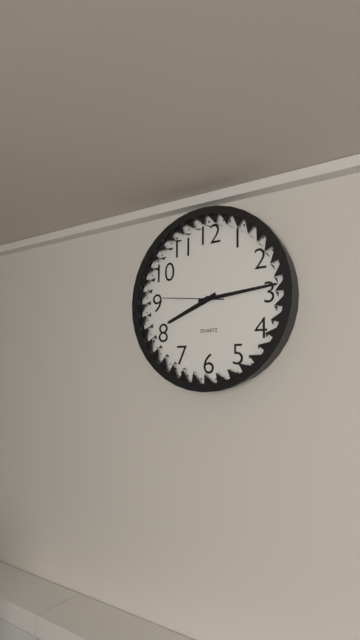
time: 8:14:46
